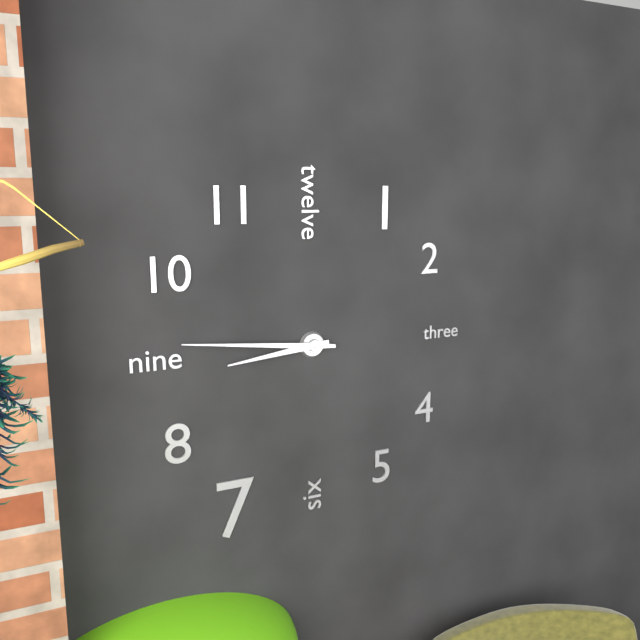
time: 8:46
